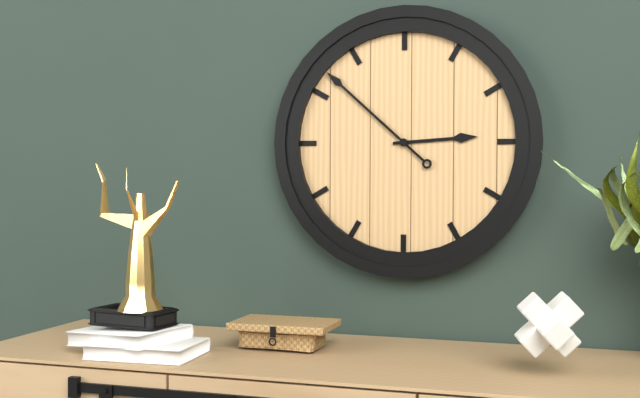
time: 2:52
